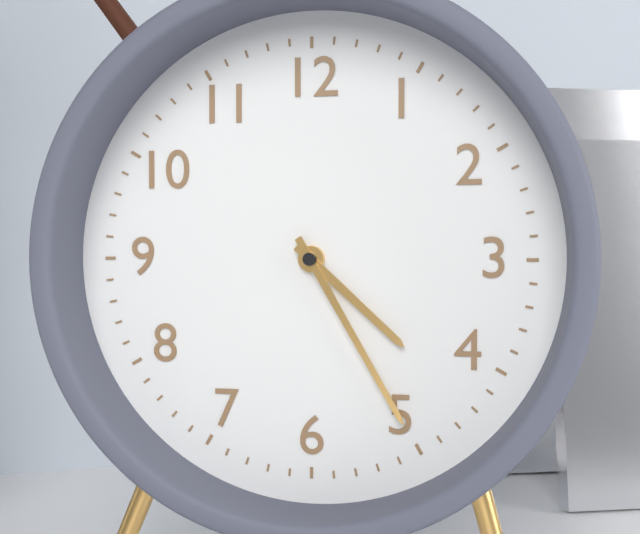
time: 4:25
